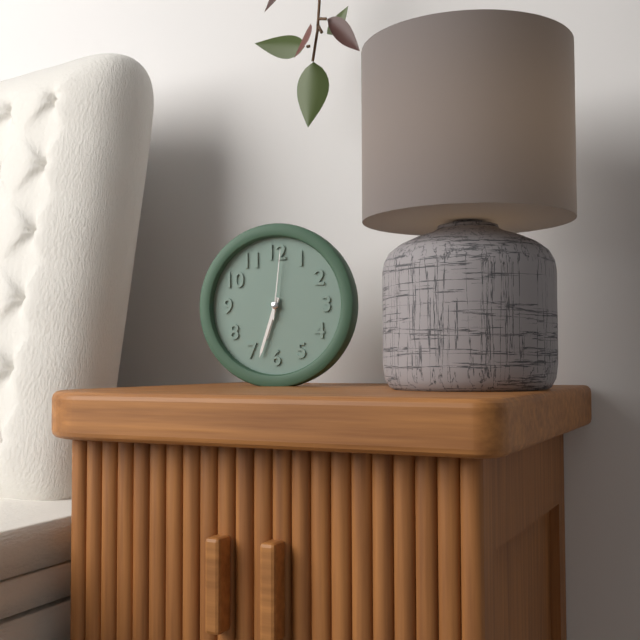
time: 6:33:01
